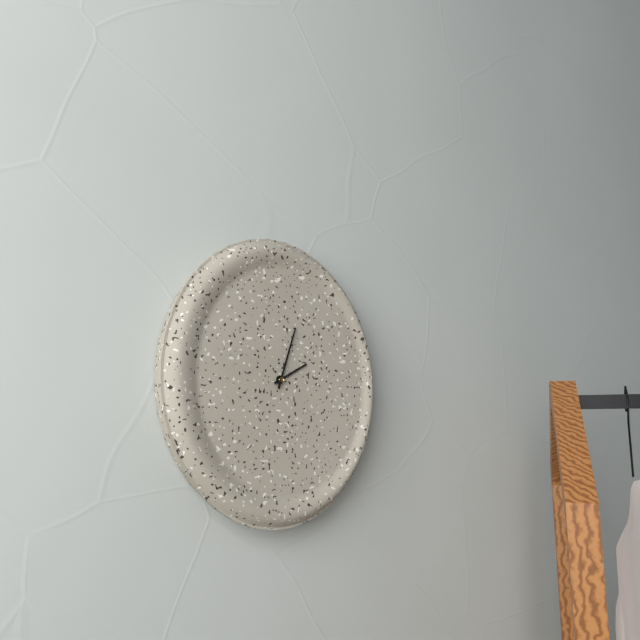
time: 2:03
